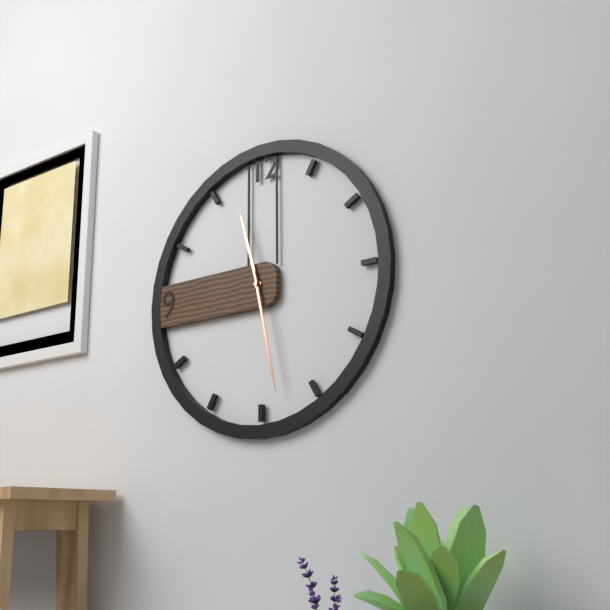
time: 11:28
